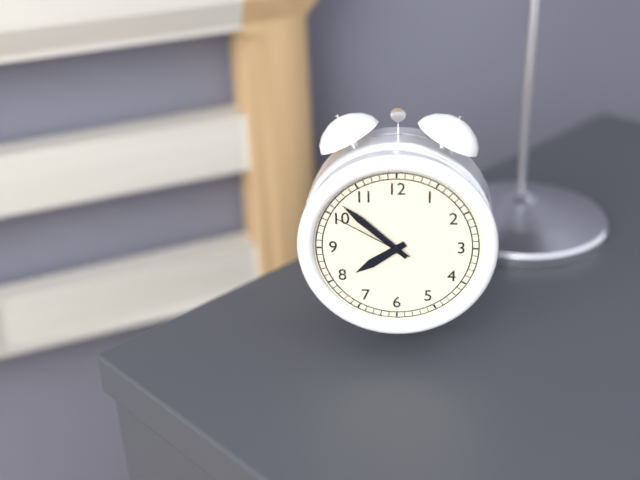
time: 7:52:50
